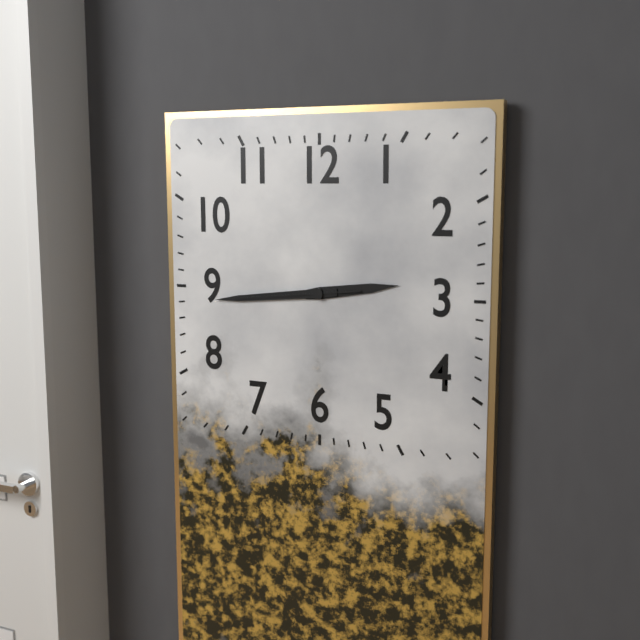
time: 2:44:44
